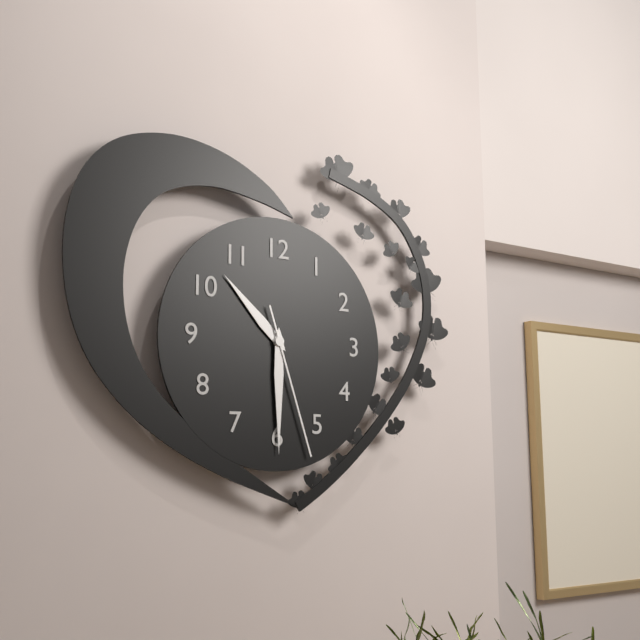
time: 10:30:27
